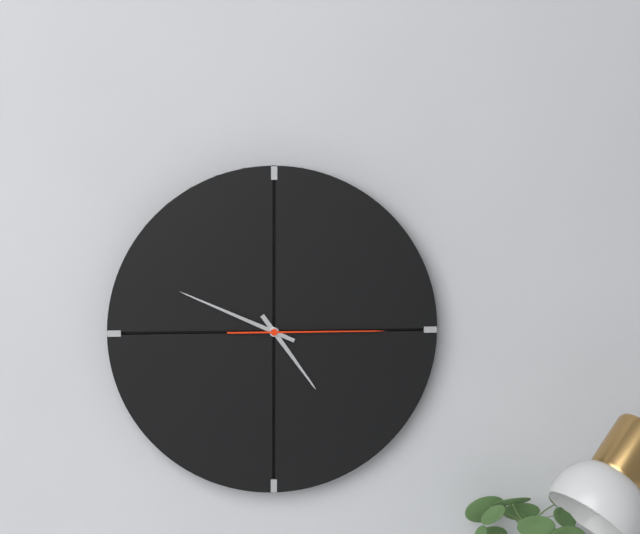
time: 4:49:15
